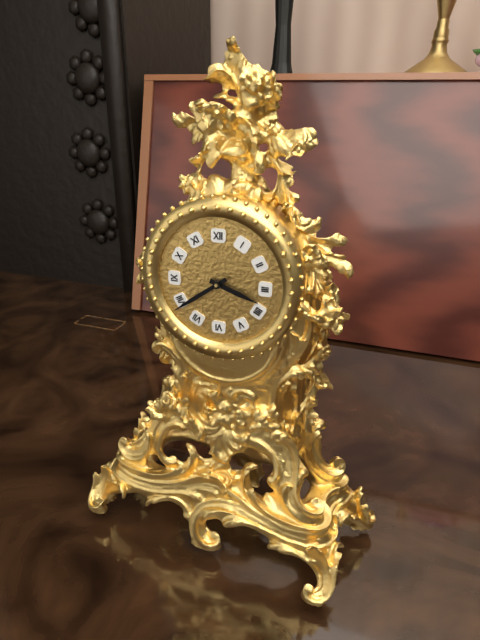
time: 3:39
